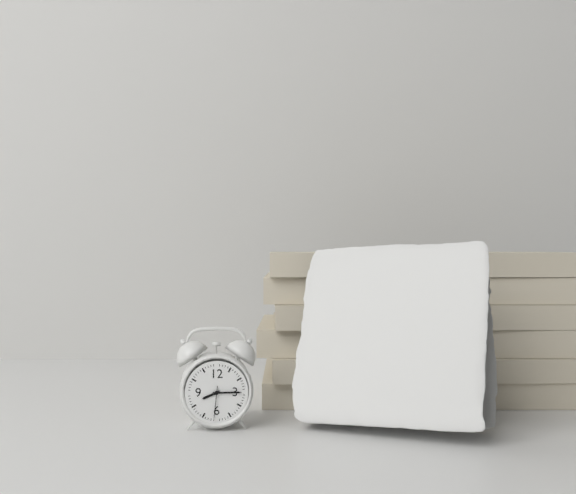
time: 8:15
